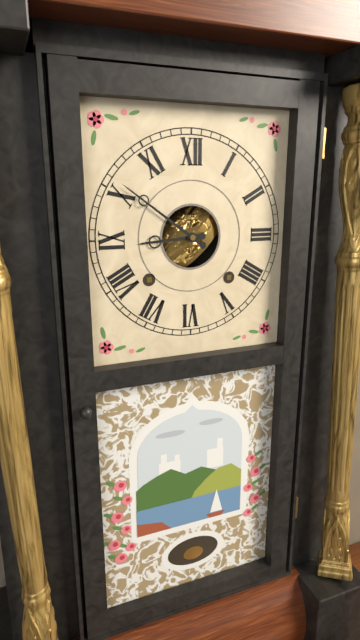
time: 8:51
